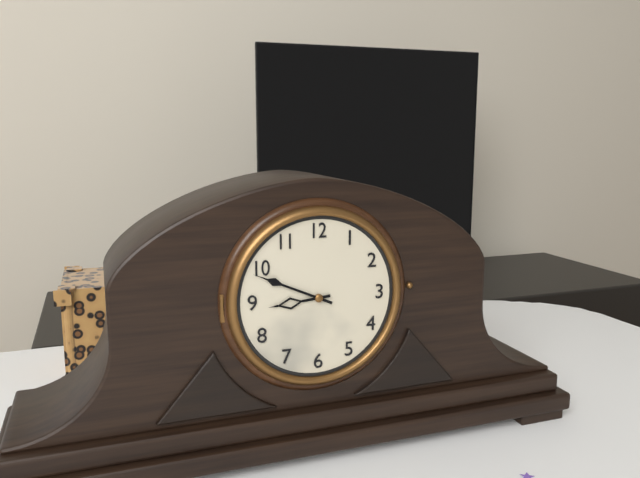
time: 8:49
